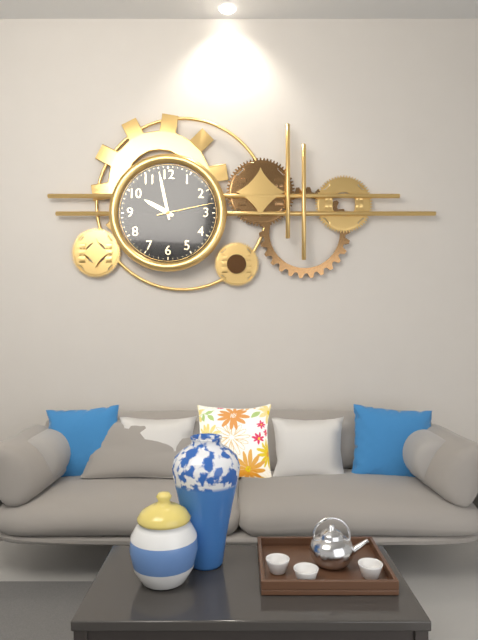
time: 9:58:13
